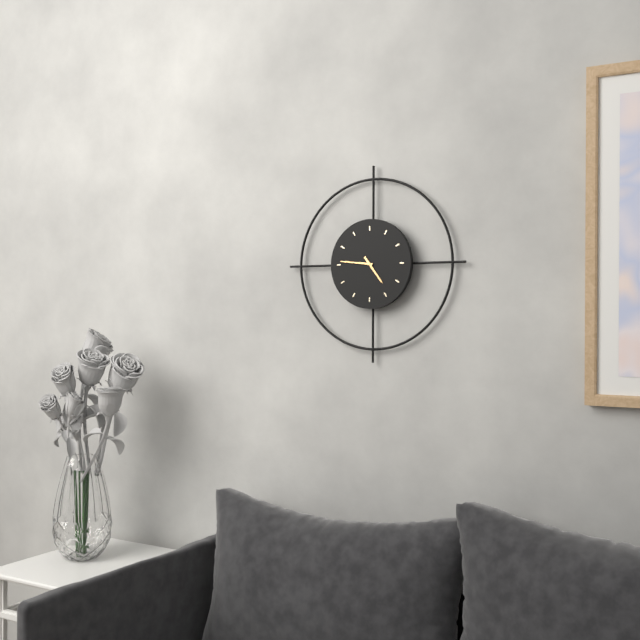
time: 4:46
